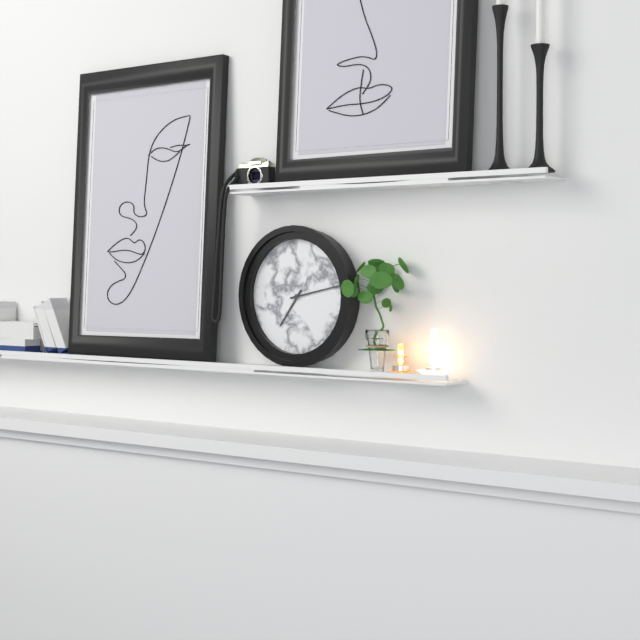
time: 7:13
